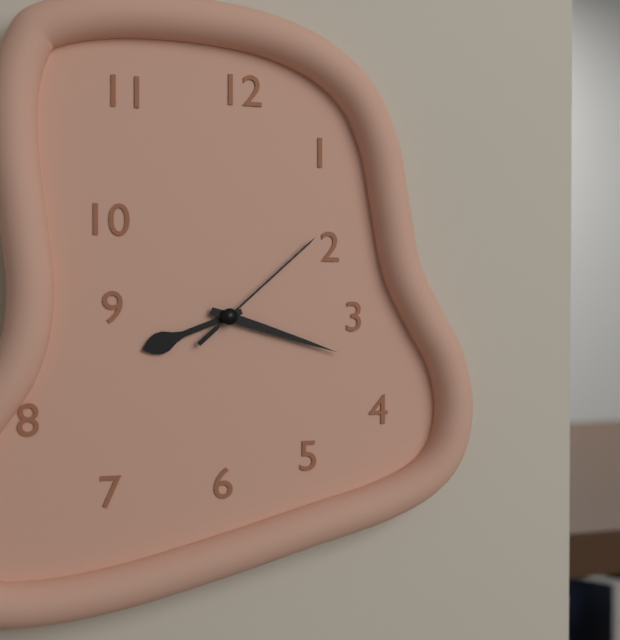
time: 8:18:08
